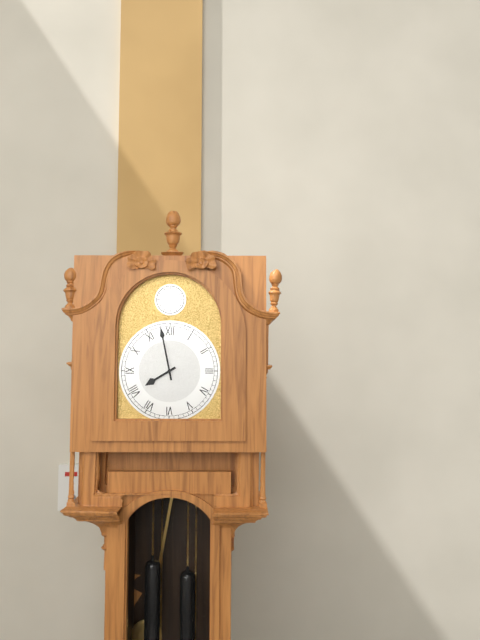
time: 7:58
